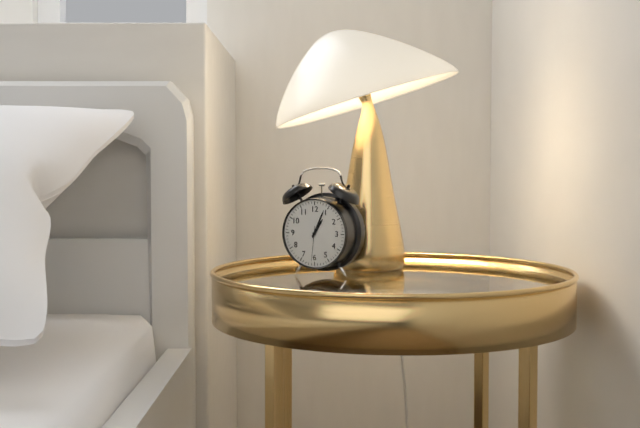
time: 1:04
